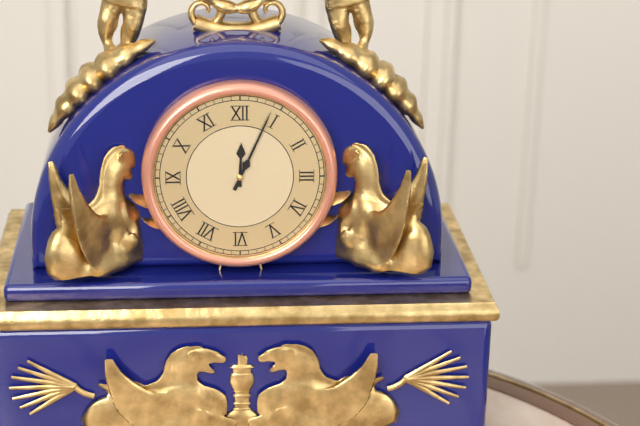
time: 12:04
